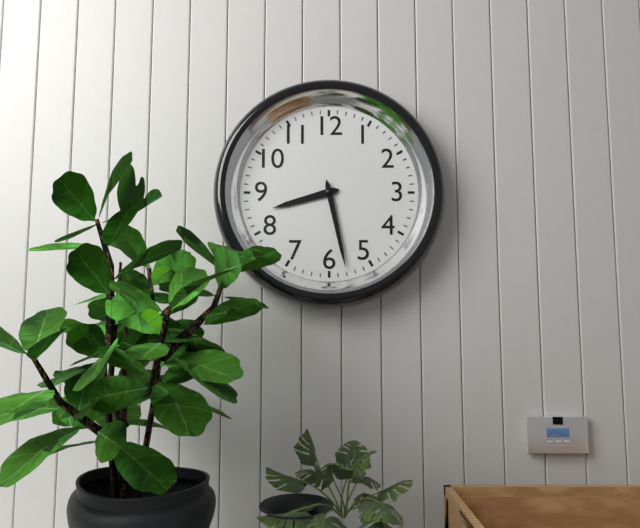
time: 8:28
